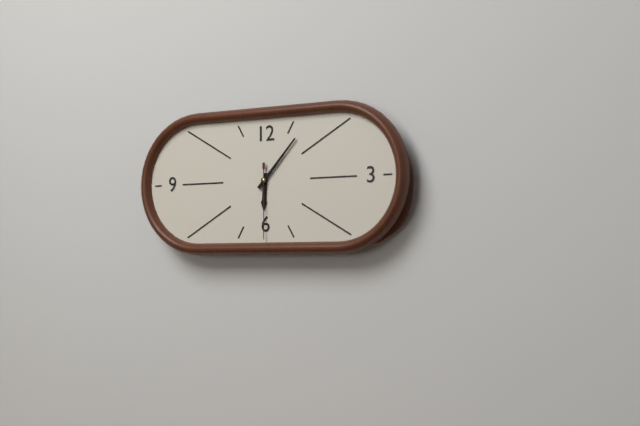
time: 6:07:30
